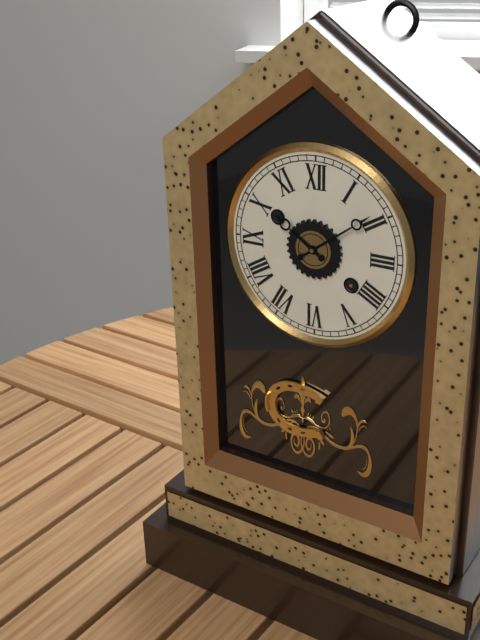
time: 10:09
